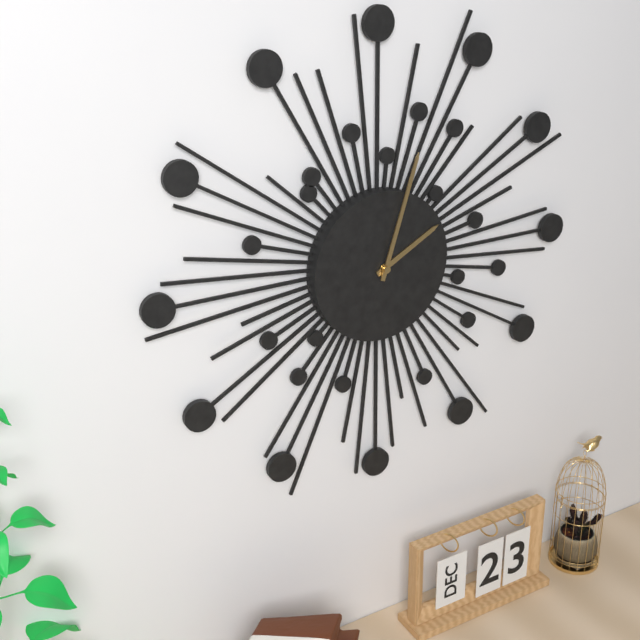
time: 2:03
